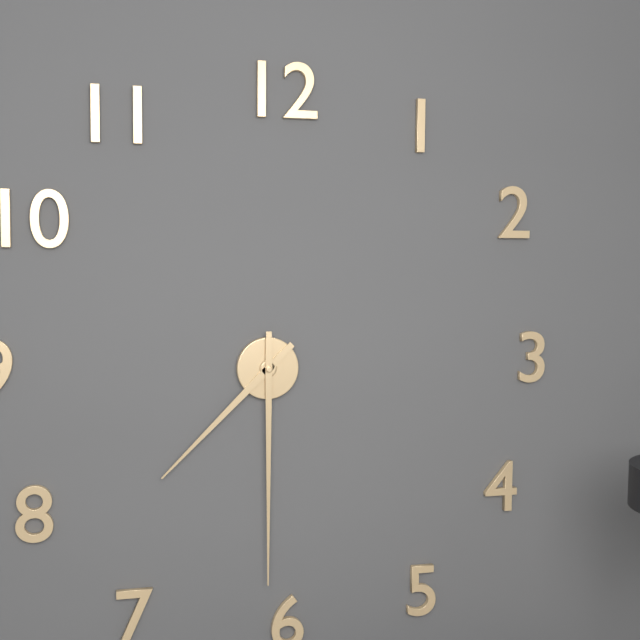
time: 7:30
